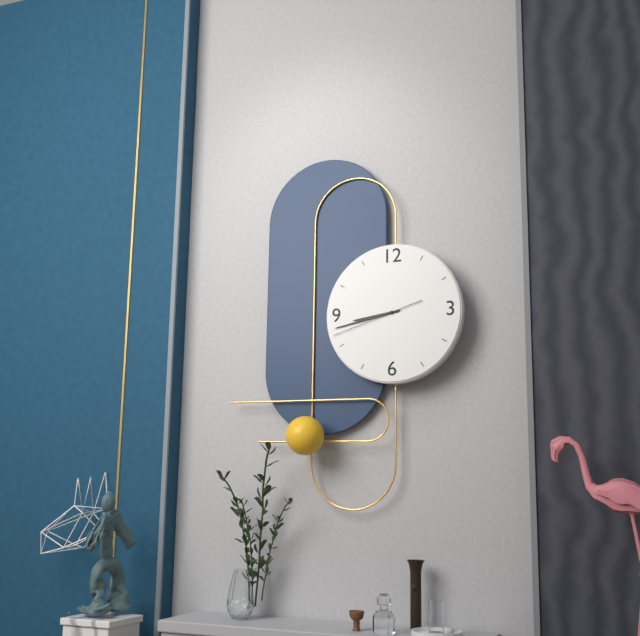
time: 8:43:42
